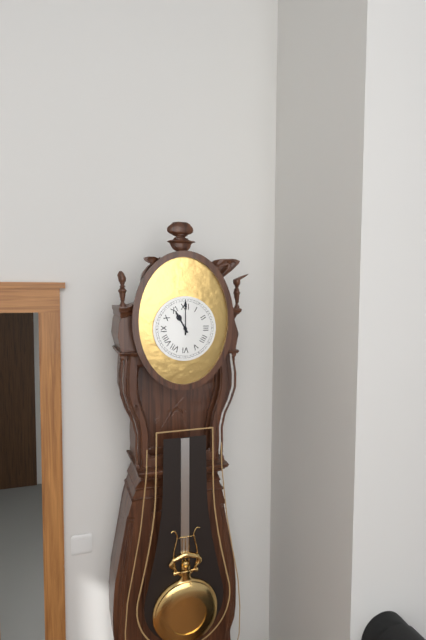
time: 11:00
